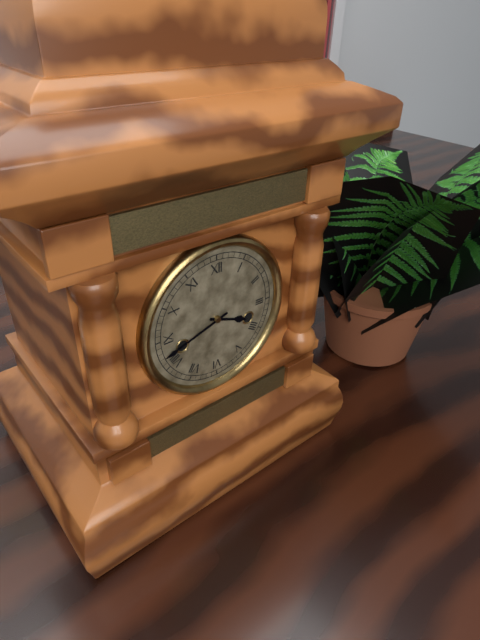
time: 3:42
